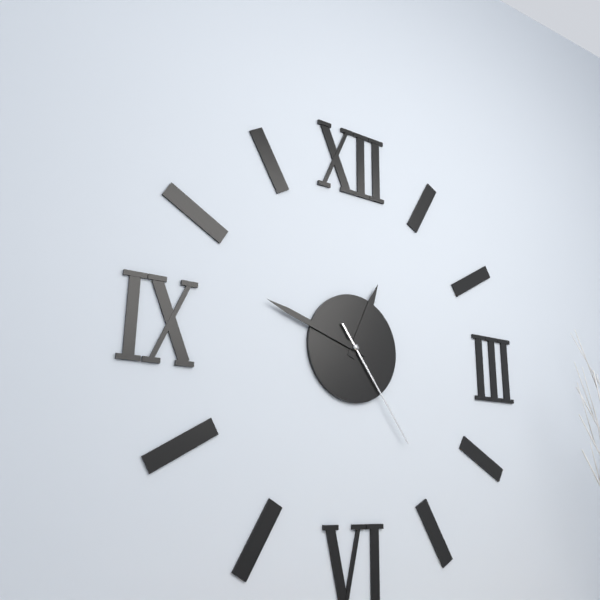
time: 12:48:24
